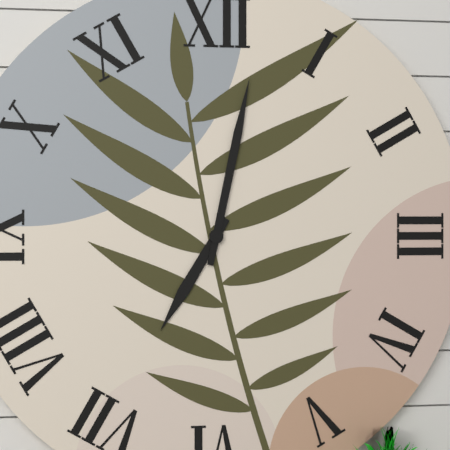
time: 7:02
